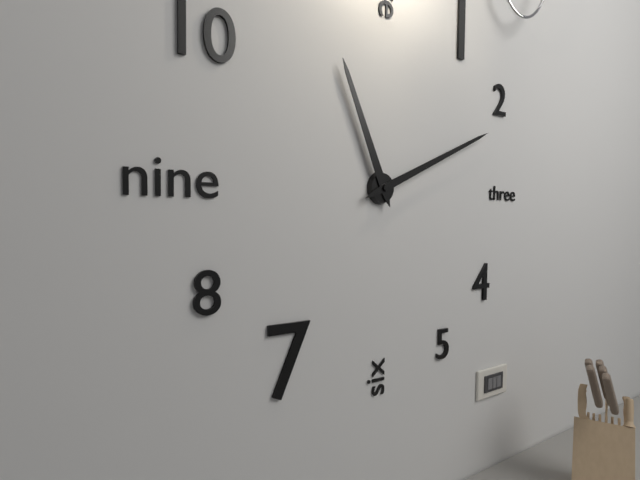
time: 11:11
